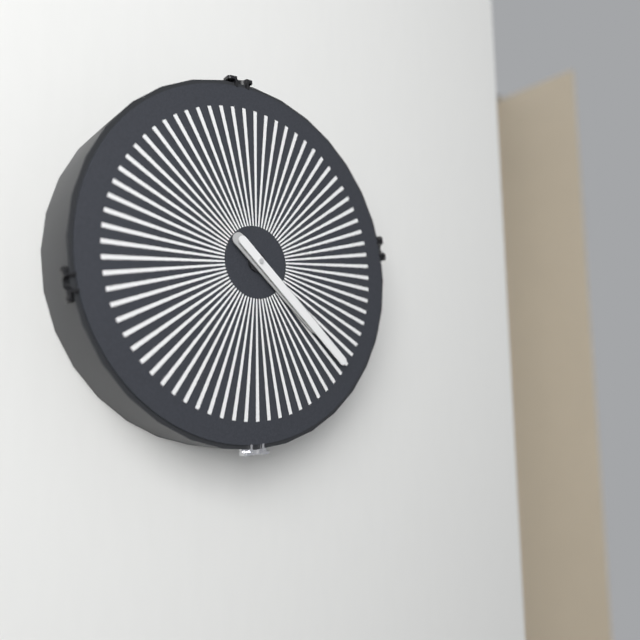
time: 4:22
